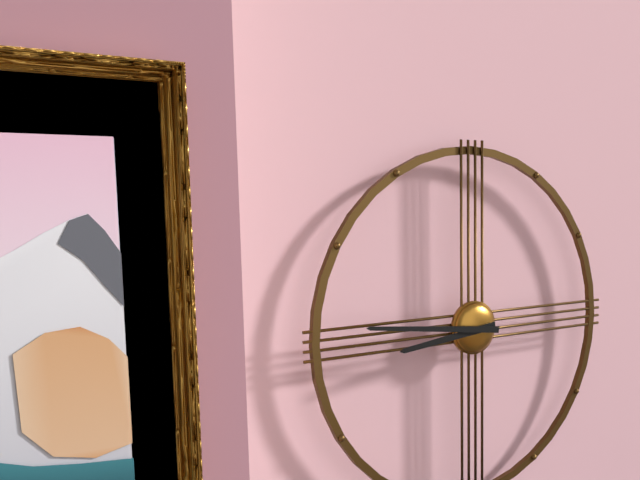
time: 8:46
